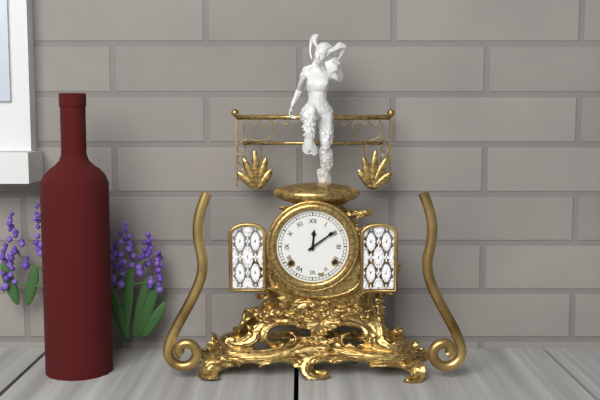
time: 12:09
